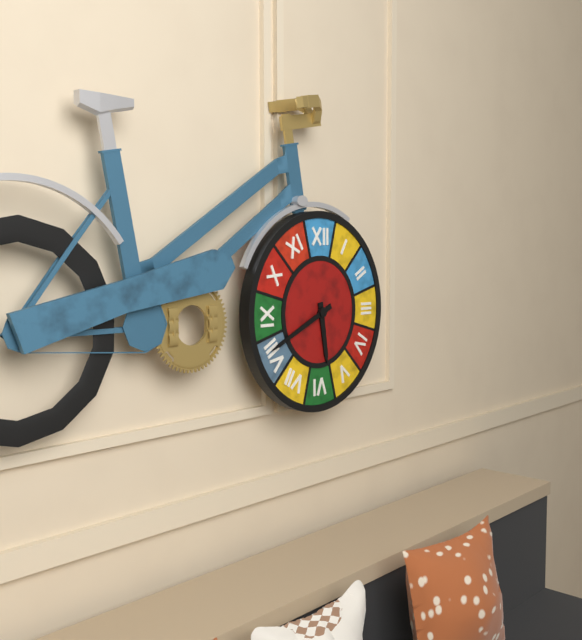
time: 5:41
